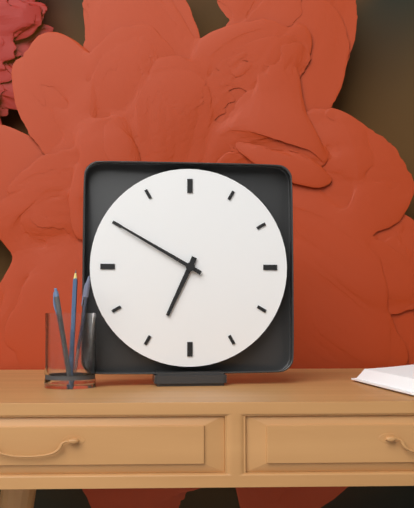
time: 6:50
